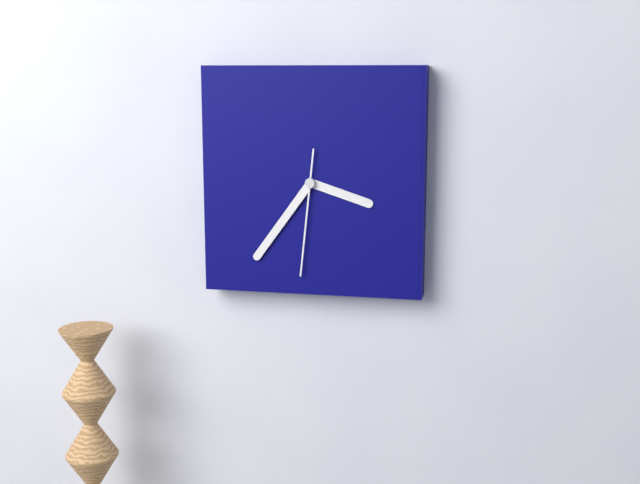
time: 3:36:31
